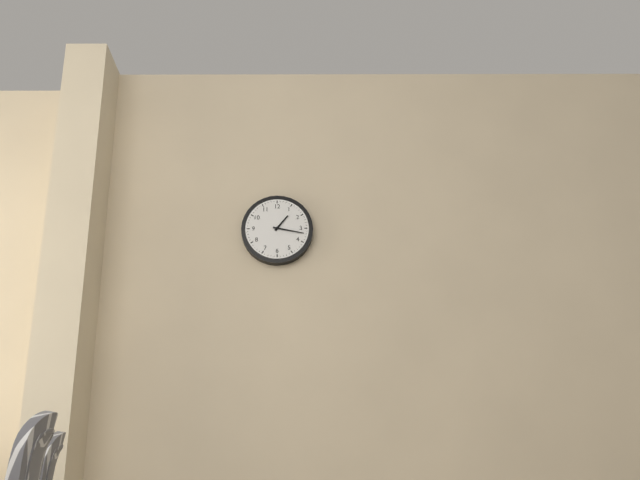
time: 1:17
